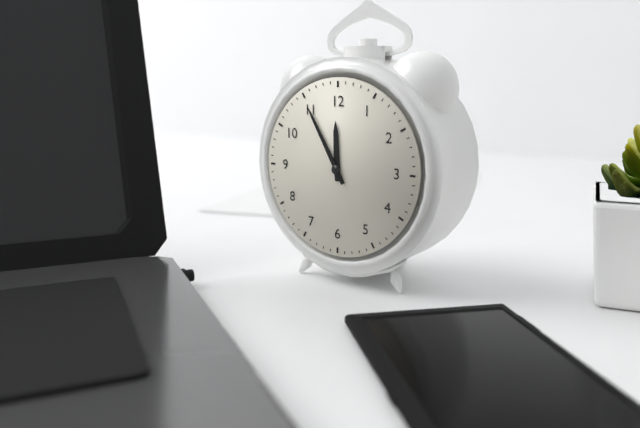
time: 11:55
